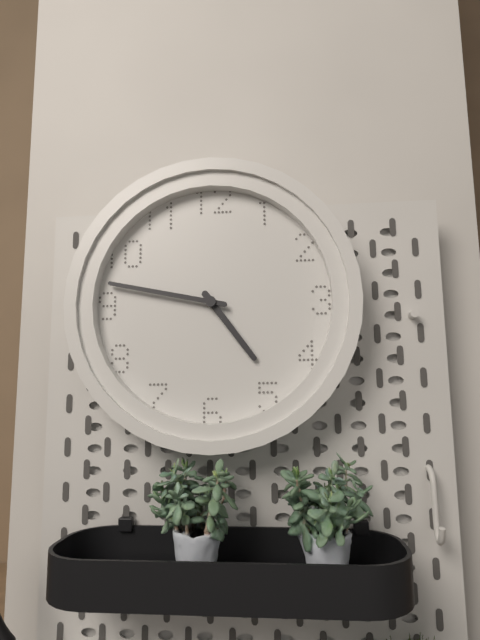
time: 4:47
